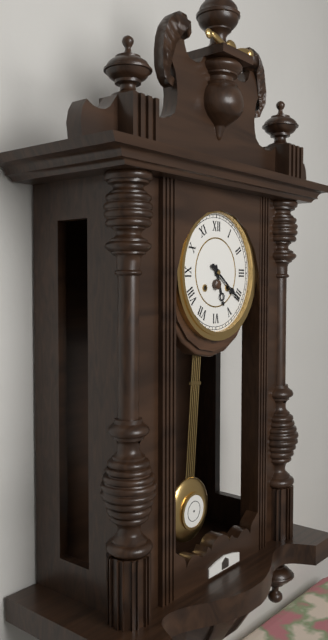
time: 5:21
